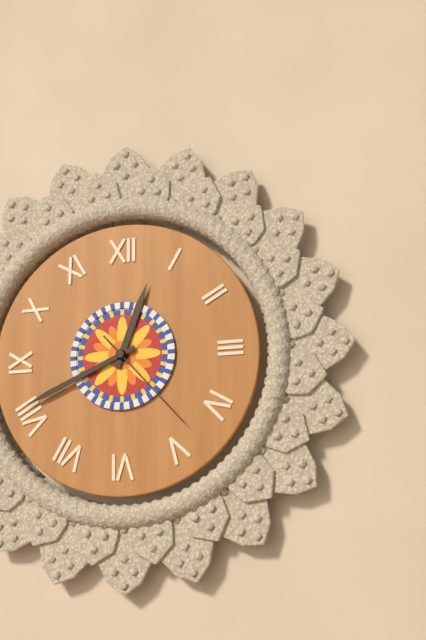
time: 12:41:23
